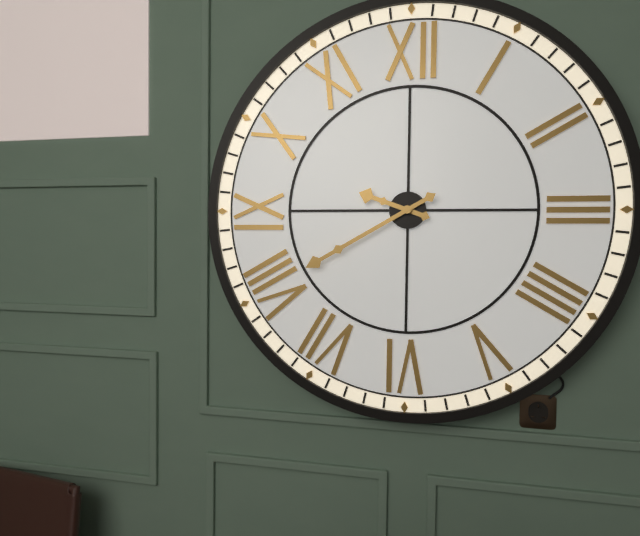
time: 9:40
